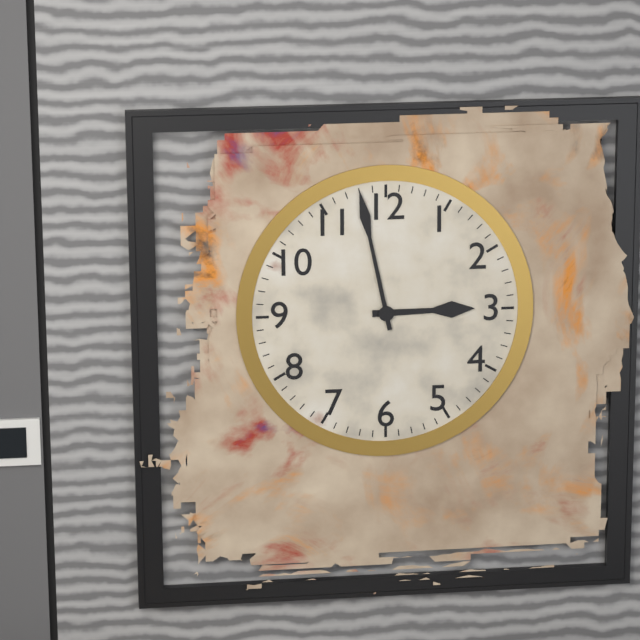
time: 2:58
